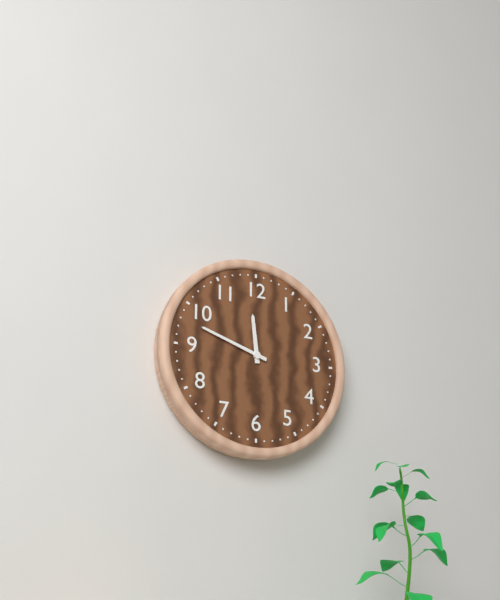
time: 11:48
